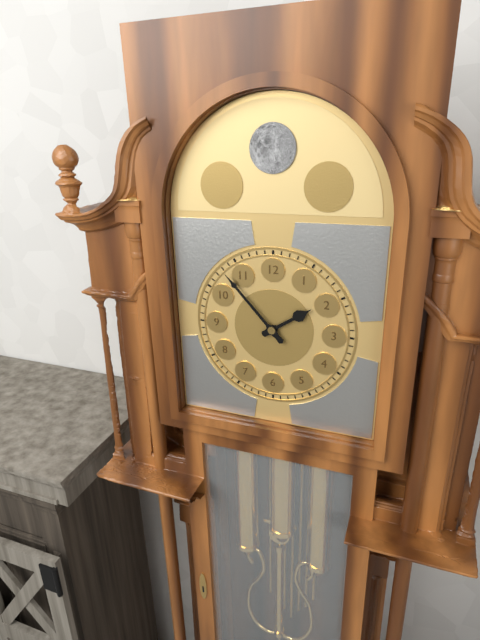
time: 1:53
